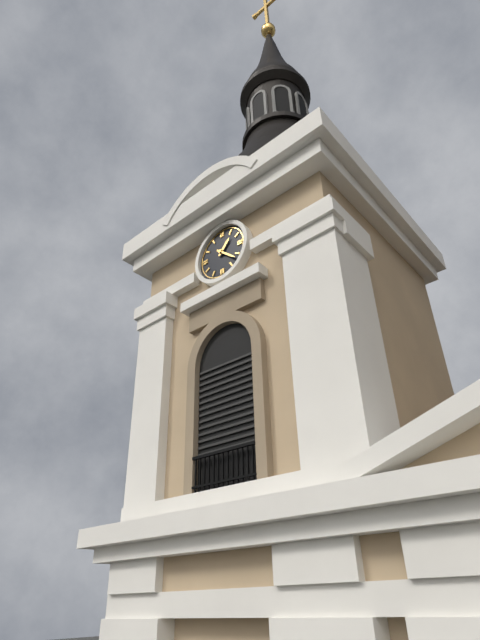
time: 1:22
